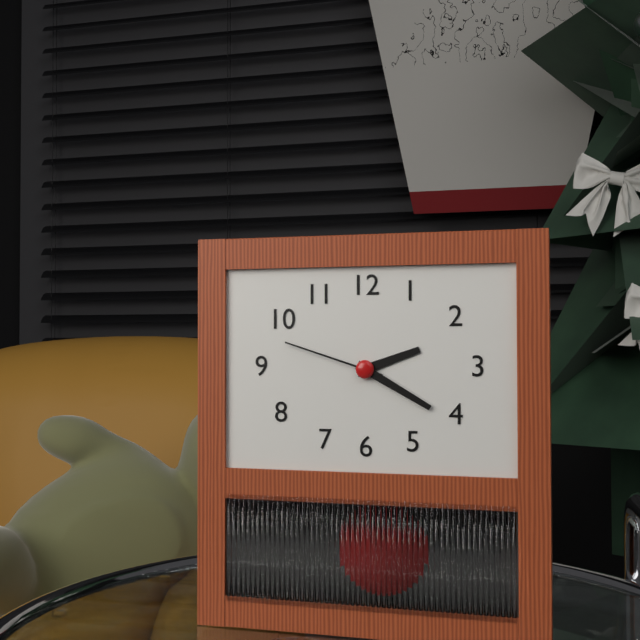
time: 2:20:48
